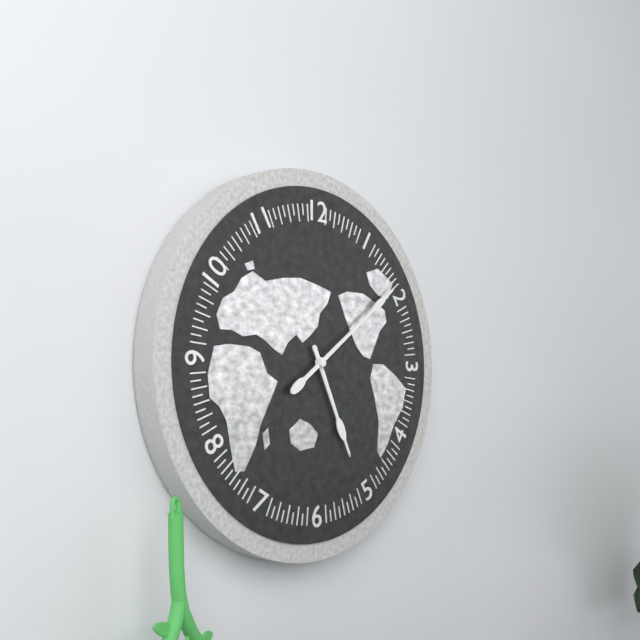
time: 5:09
